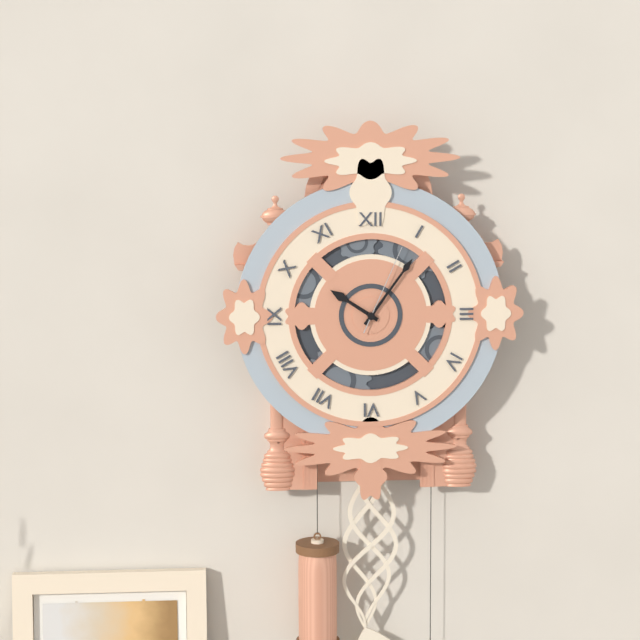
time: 10:06:04
